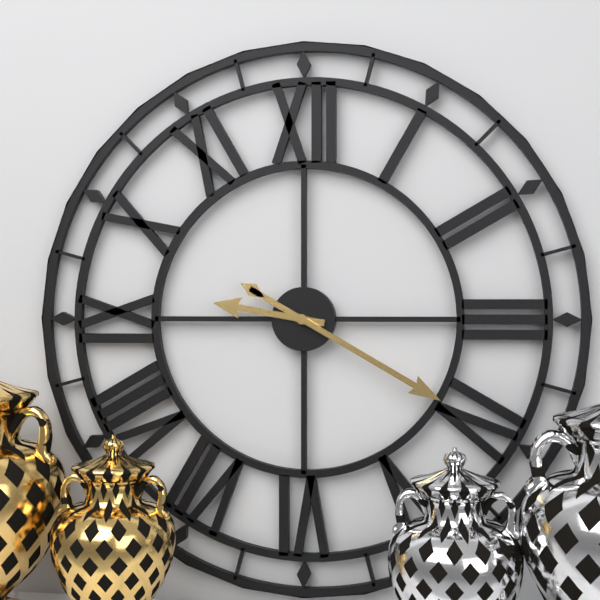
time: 9:20
